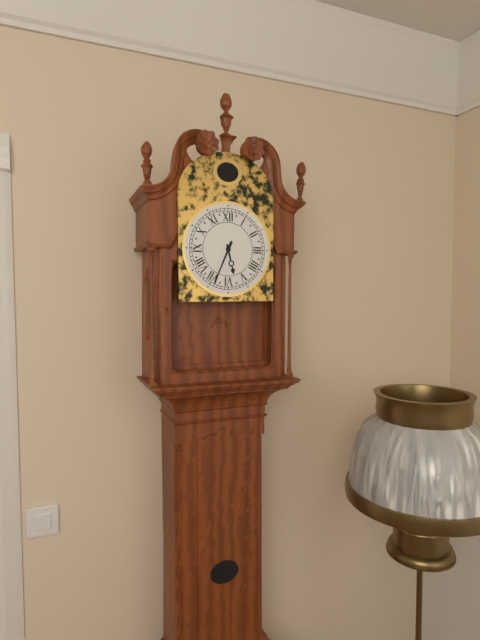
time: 5:34
